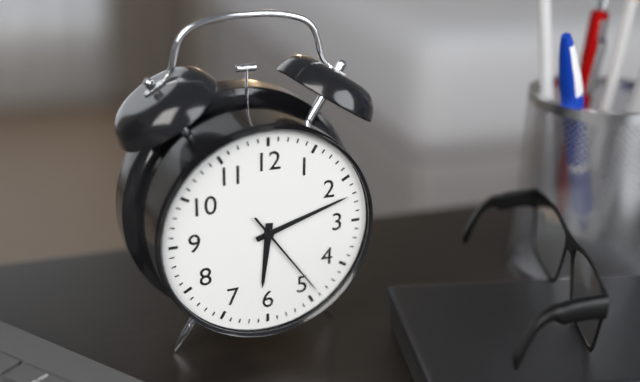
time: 6:12:24
